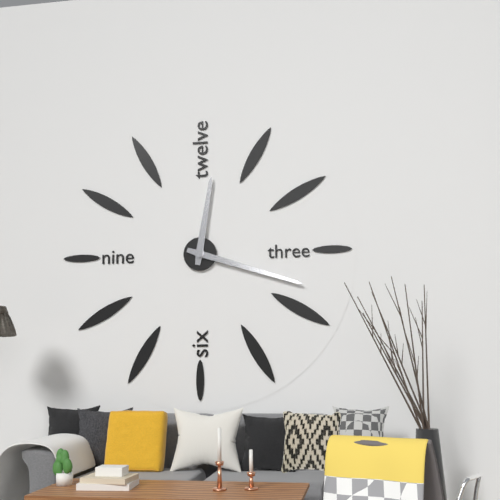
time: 12:18
